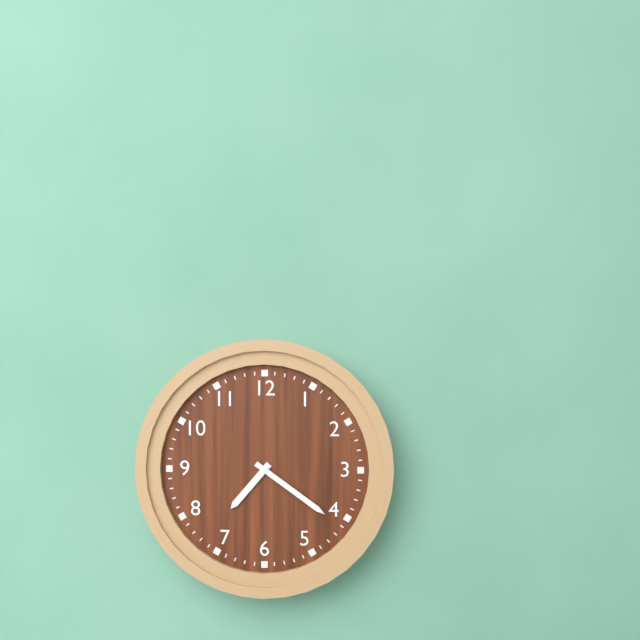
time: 7:21
